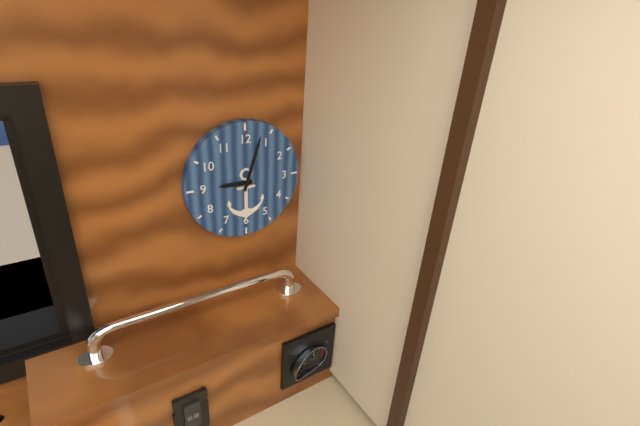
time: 9:03
